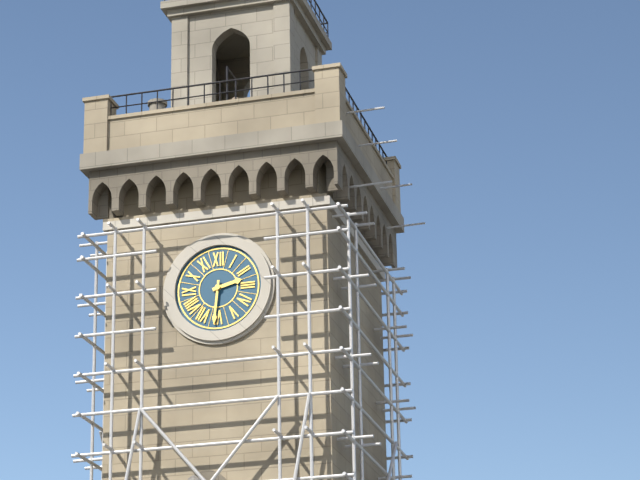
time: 2:31
